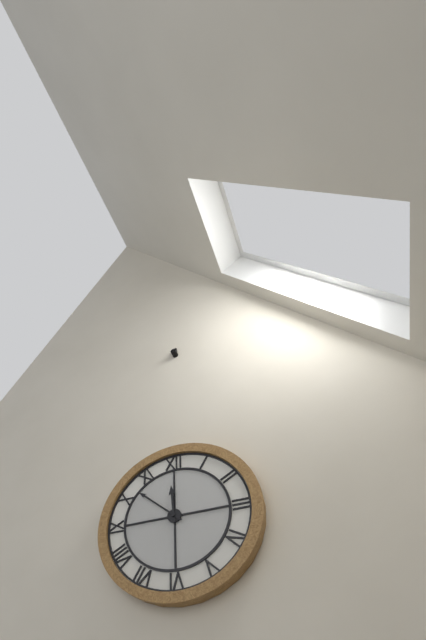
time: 11:52
